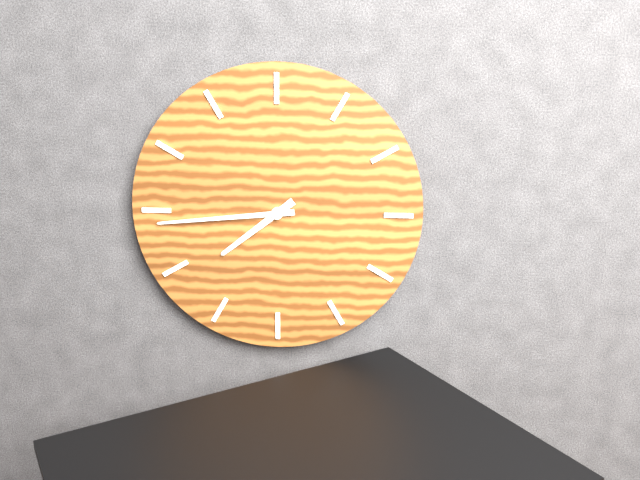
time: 7:44
